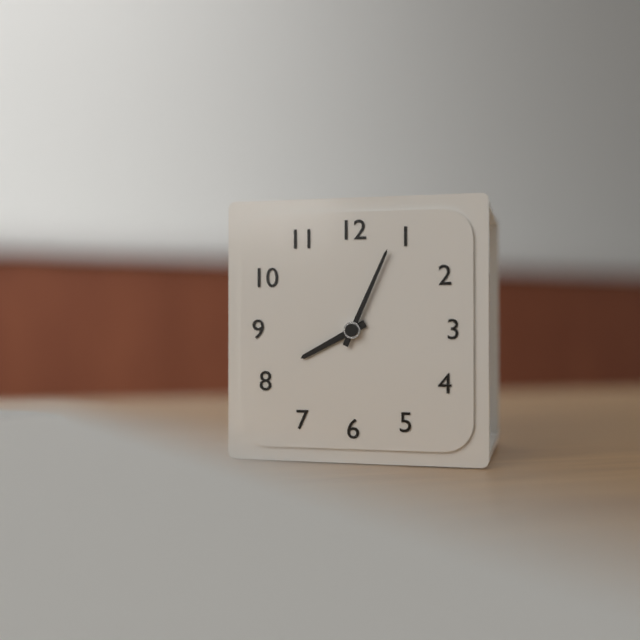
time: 8:04
